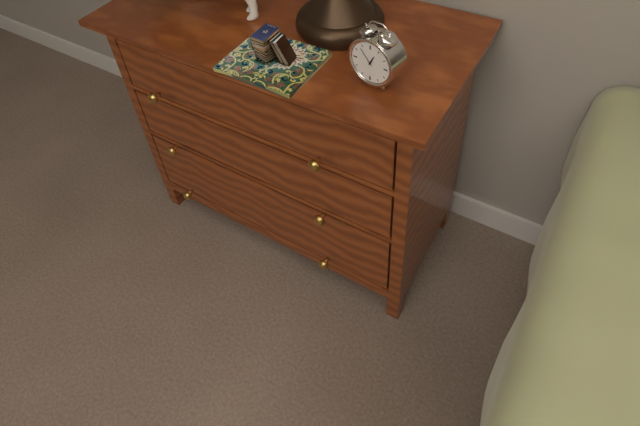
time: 12:53
